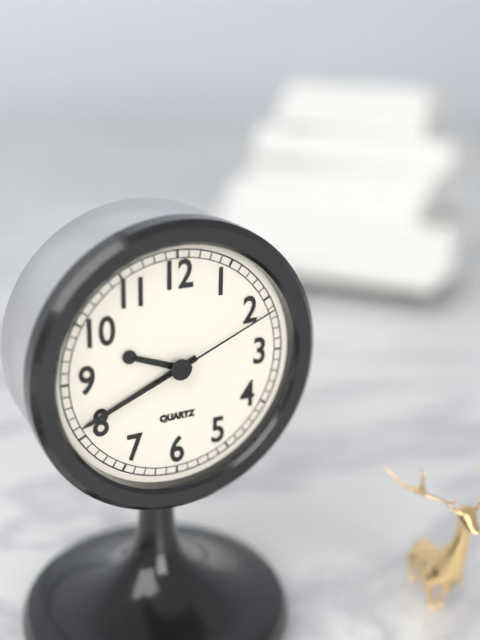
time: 9:41:11
